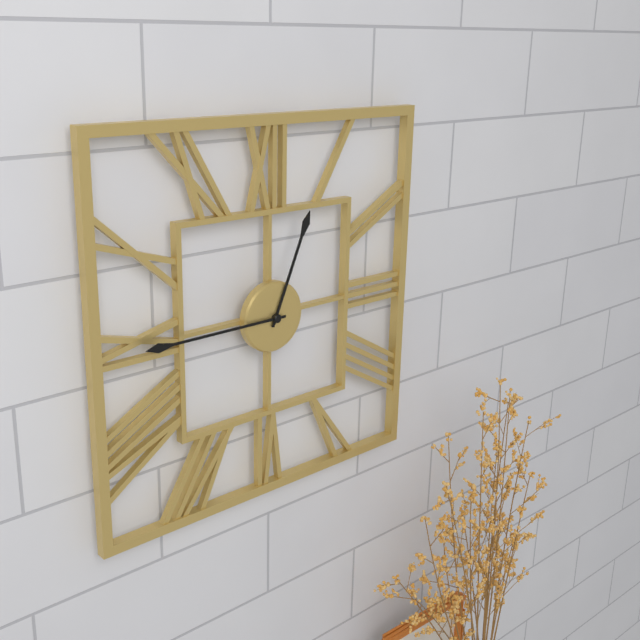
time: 12:45
